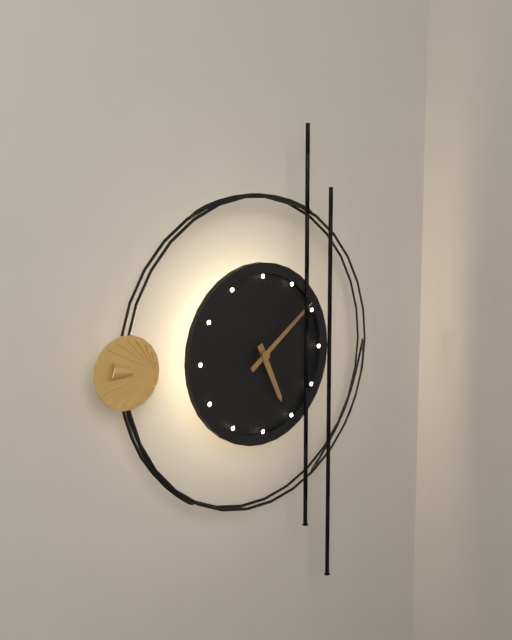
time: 5:09
